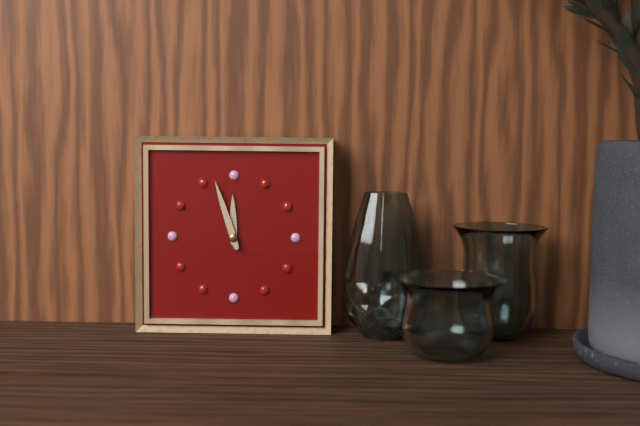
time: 11:57
